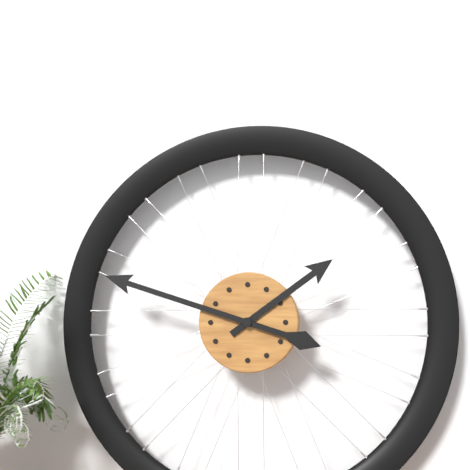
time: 1:48
